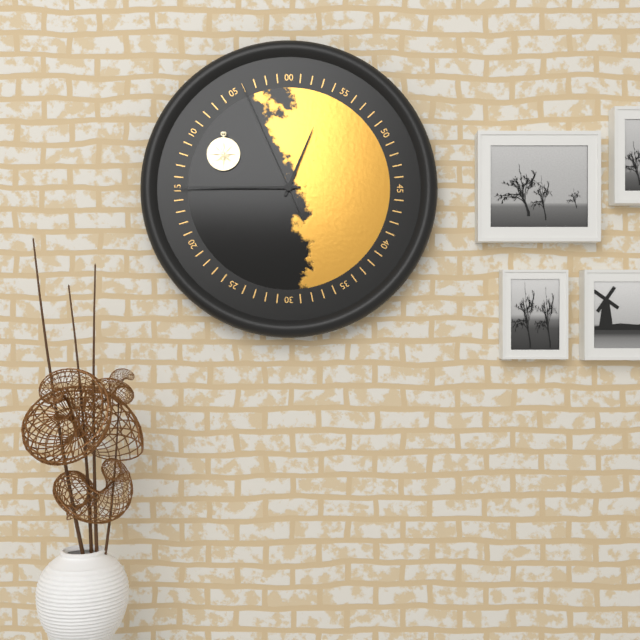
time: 12:45:56
